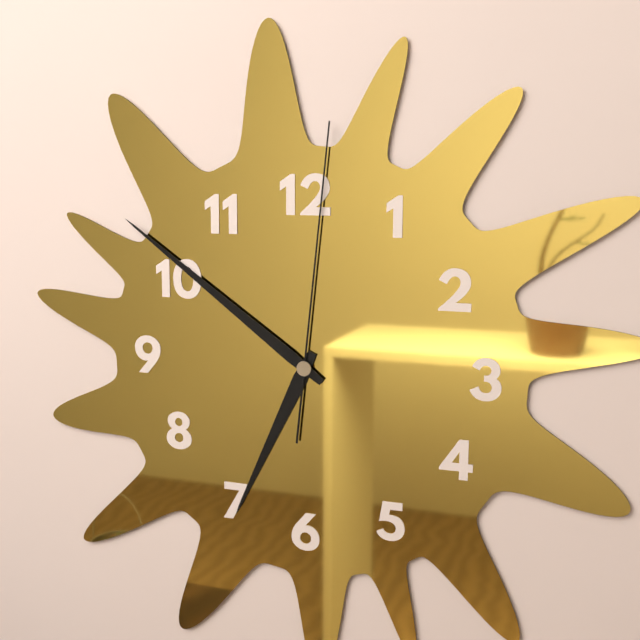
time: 6:51:01
